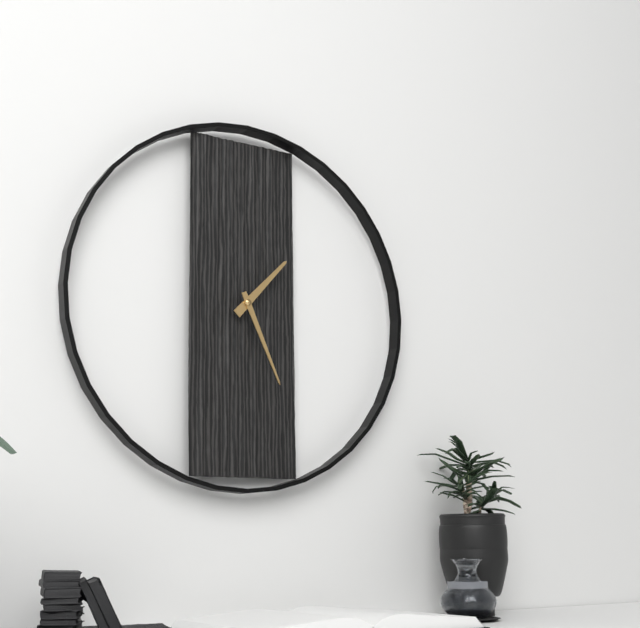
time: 1:26
